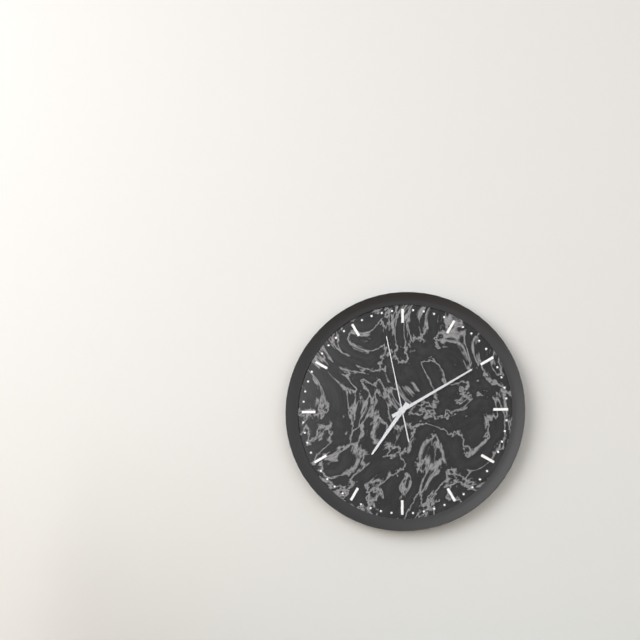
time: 7:10:58
